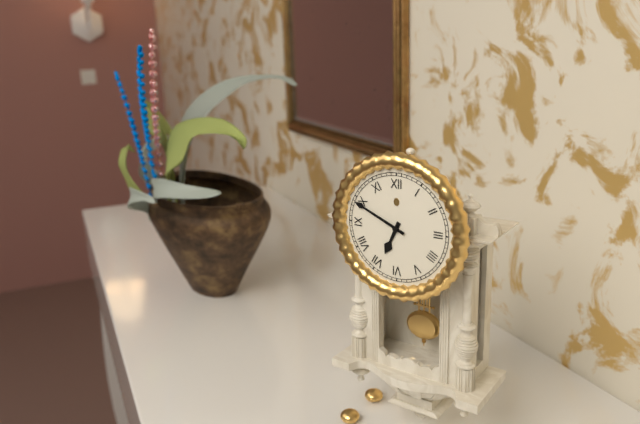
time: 6:49
